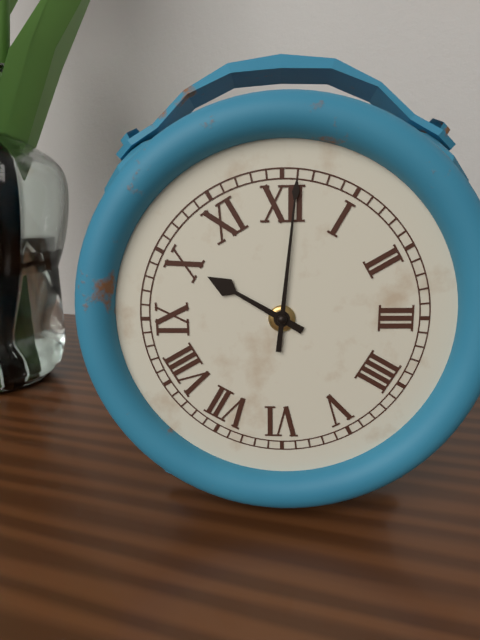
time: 10:01
